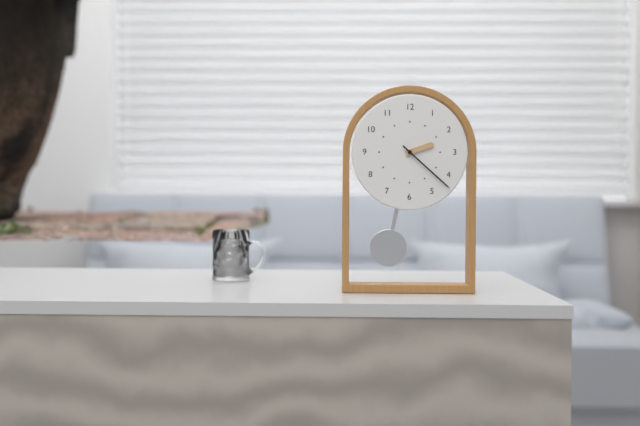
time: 2:22
